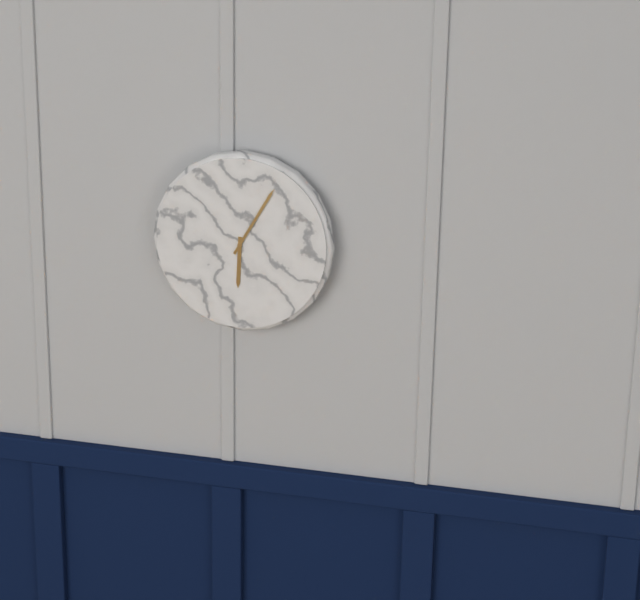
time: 6:05
